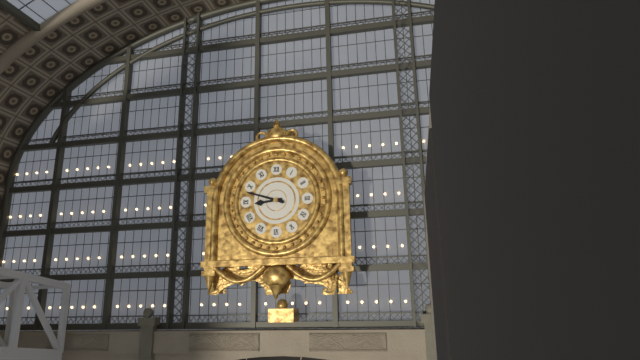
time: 8:48
